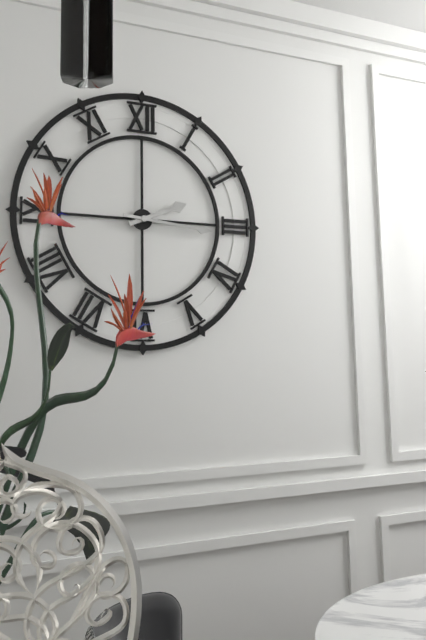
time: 2:16
